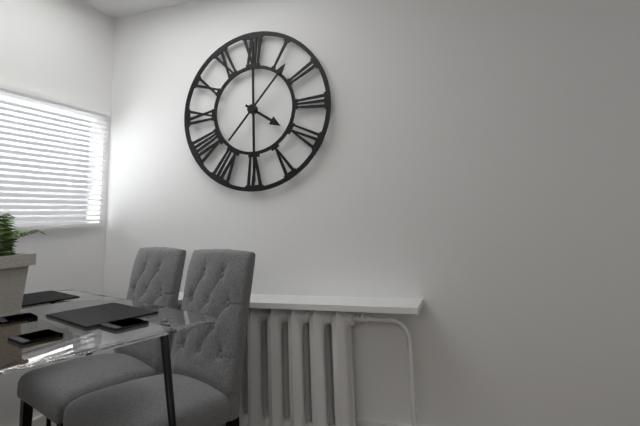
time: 4:07
